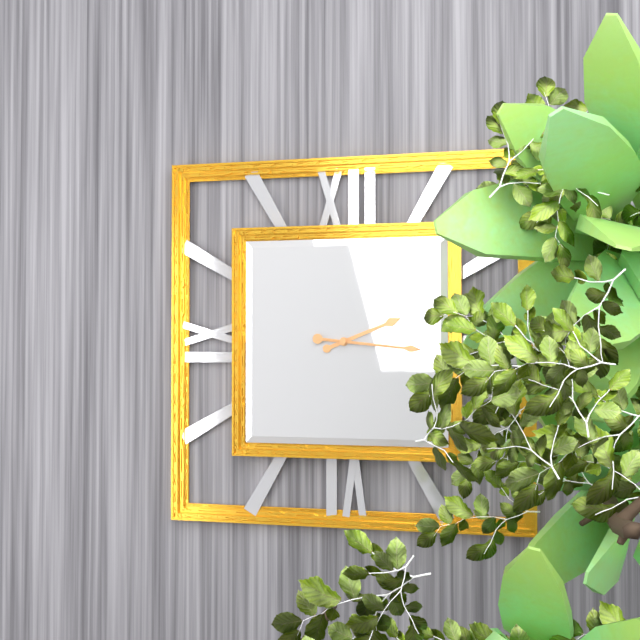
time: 2:16:16
